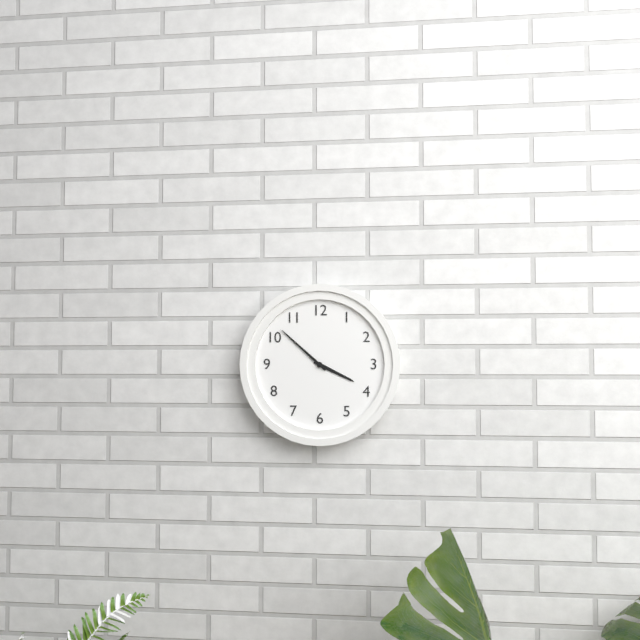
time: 3:52
